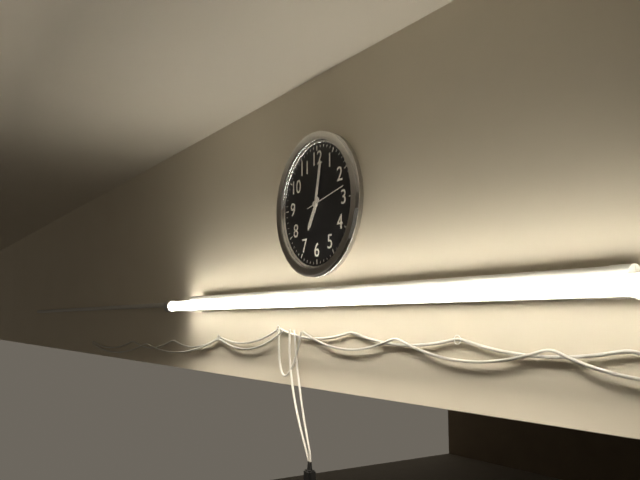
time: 7:02
